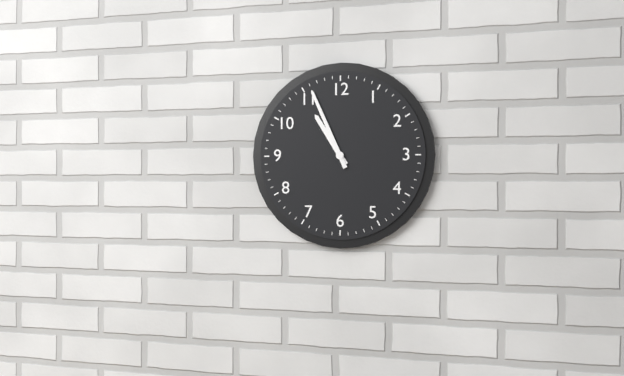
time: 10:56
